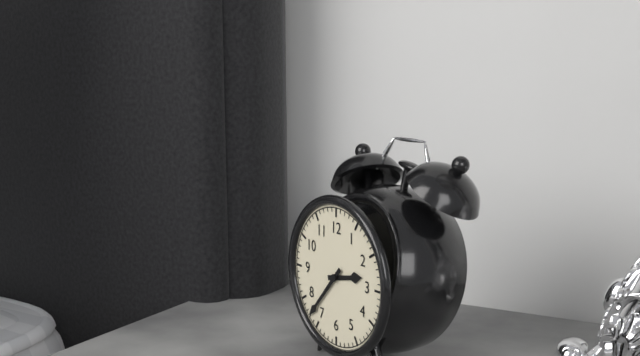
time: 2:37
